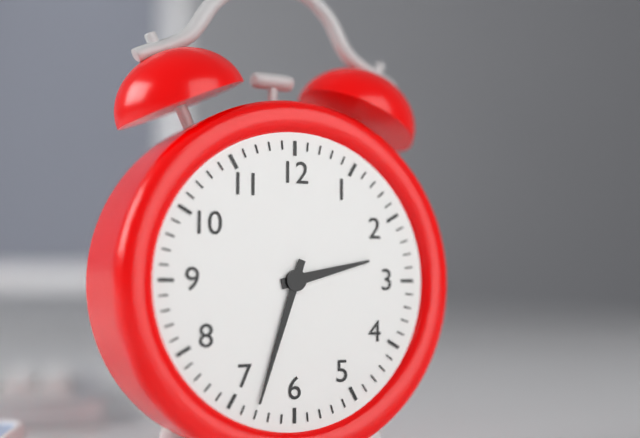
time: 2:33
